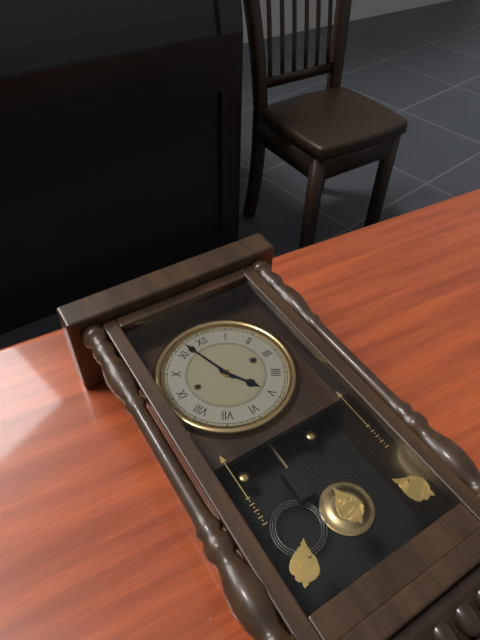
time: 4:57
